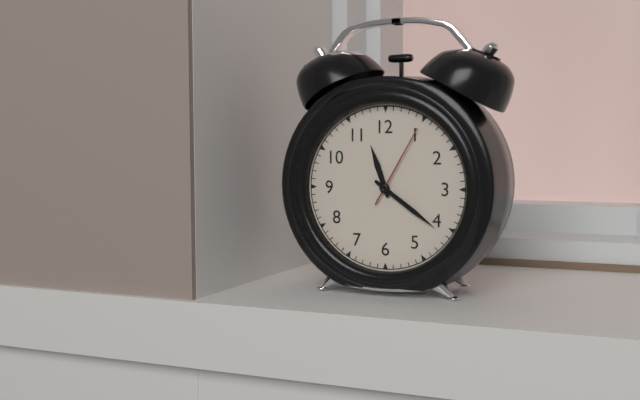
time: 11:21:05
